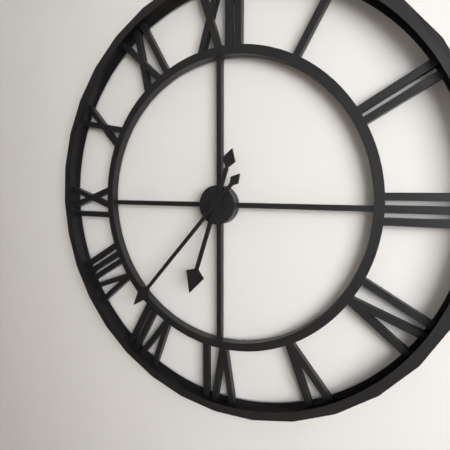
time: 6:37
